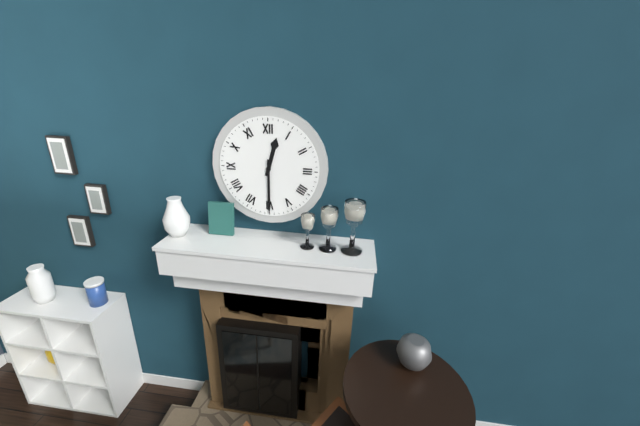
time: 12:30
